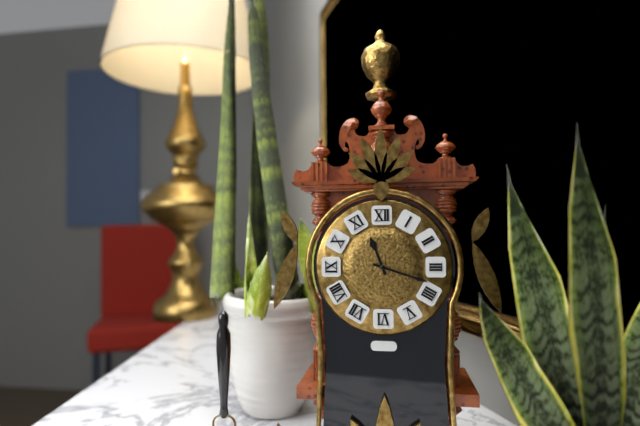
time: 11:18
